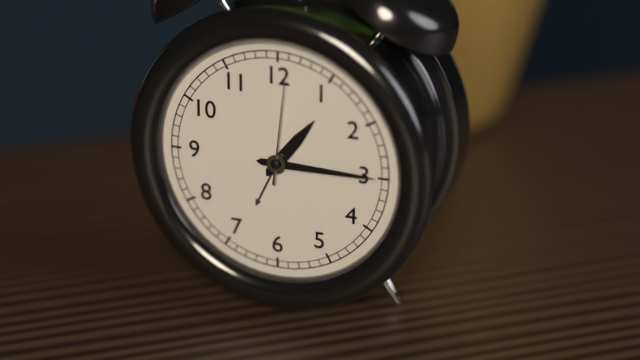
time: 1:15:01
